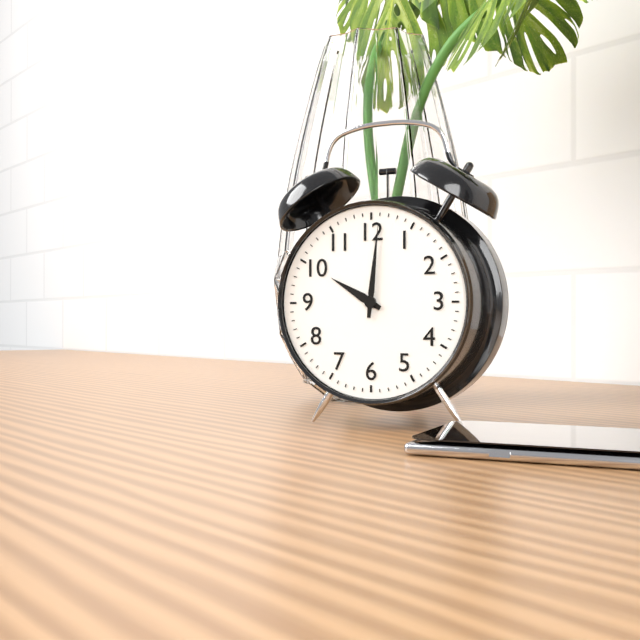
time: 10:01
